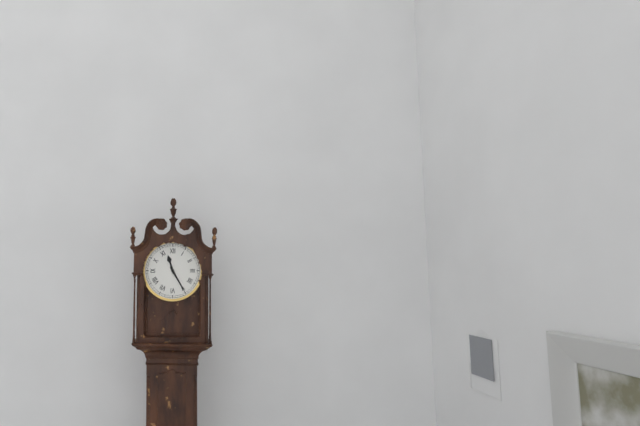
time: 11:25
